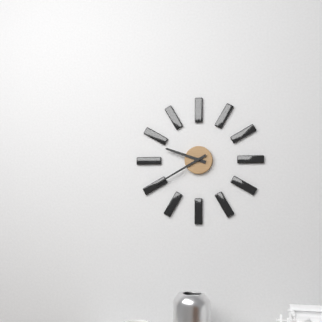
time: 9:40
